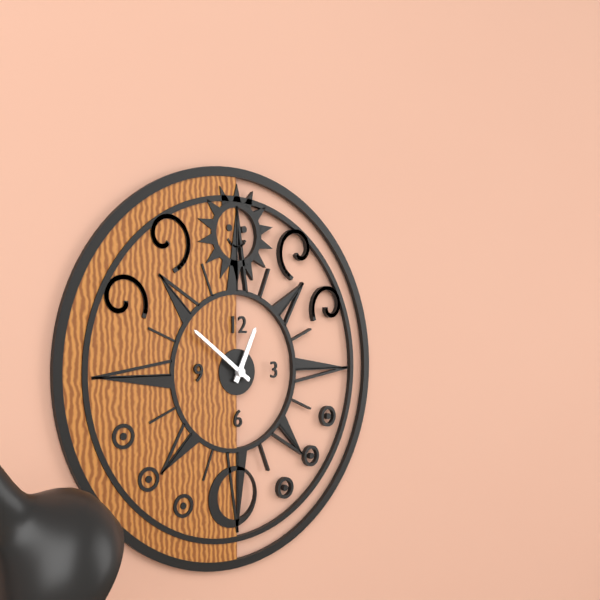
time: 12:51
